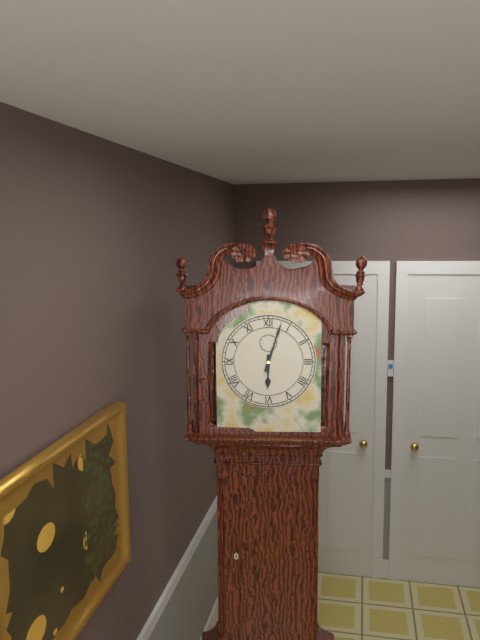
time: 6:03
